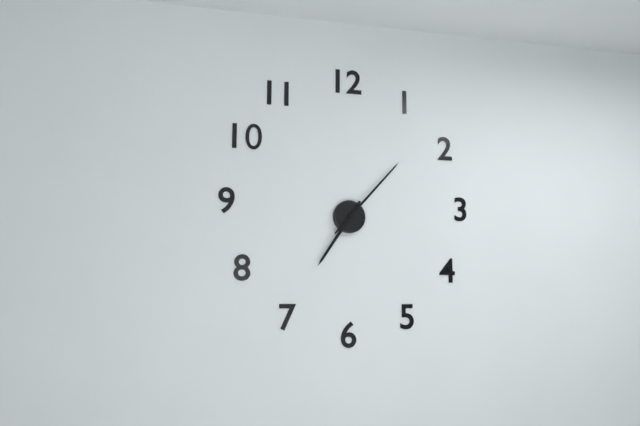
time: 7:07
